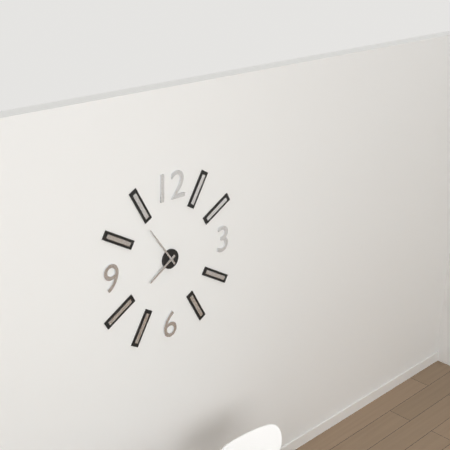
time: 7:54
